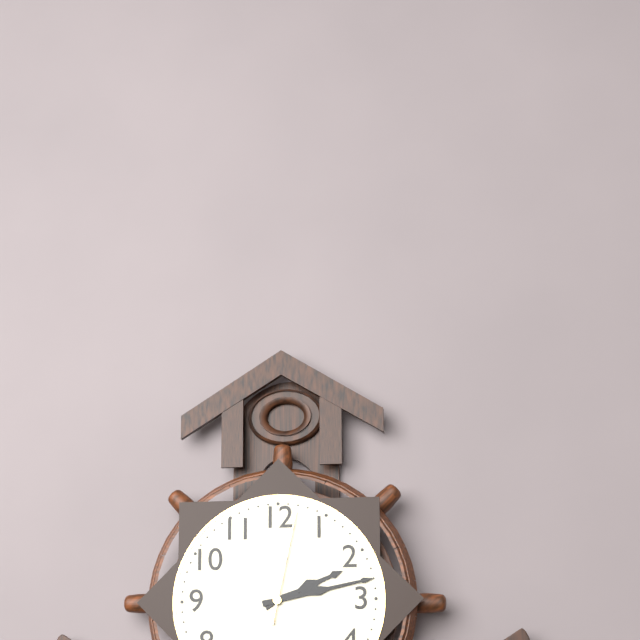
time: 2:13:02
